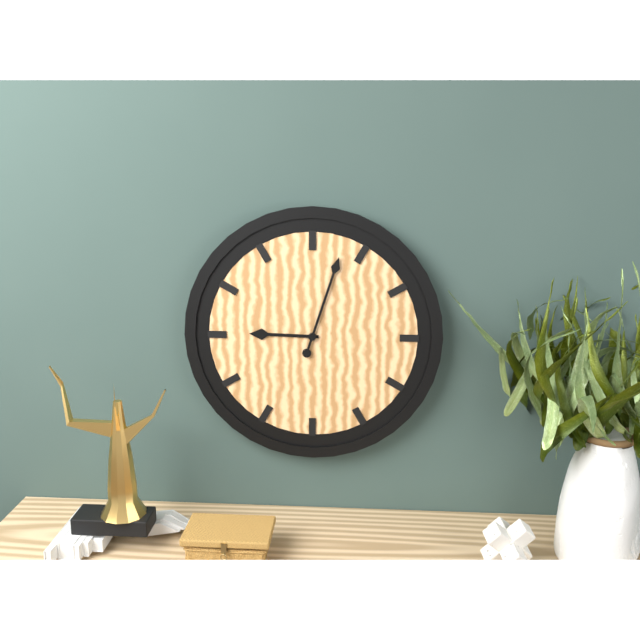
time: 9:03
